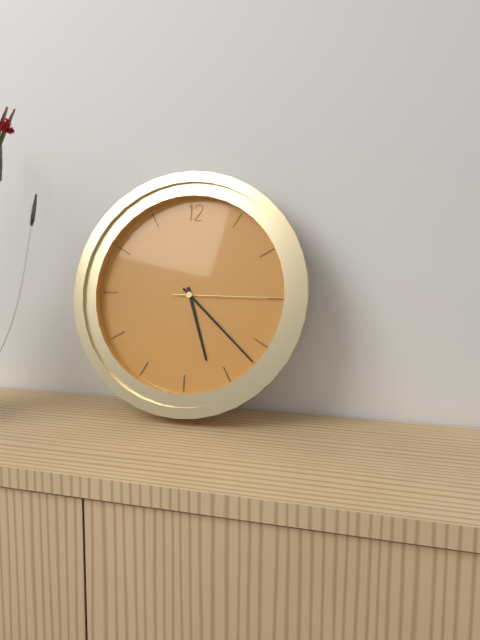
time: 5:22:15
